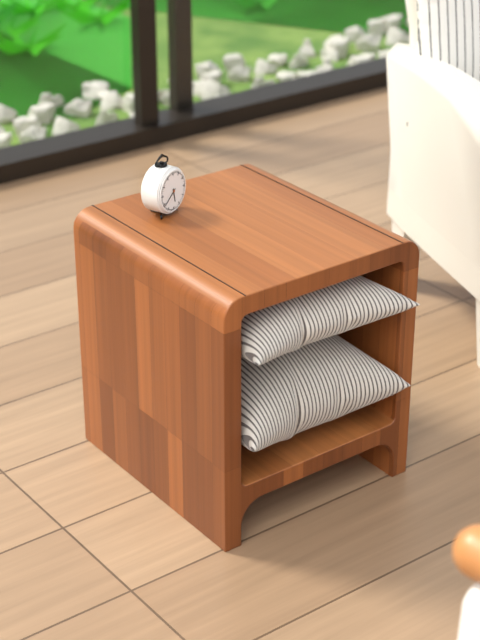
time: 5:39
